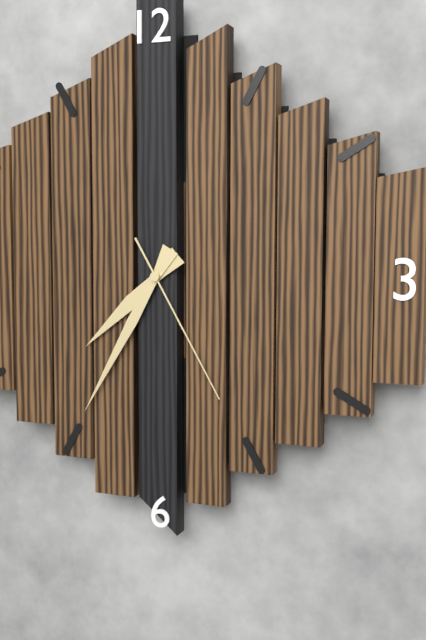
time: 7:35:25
